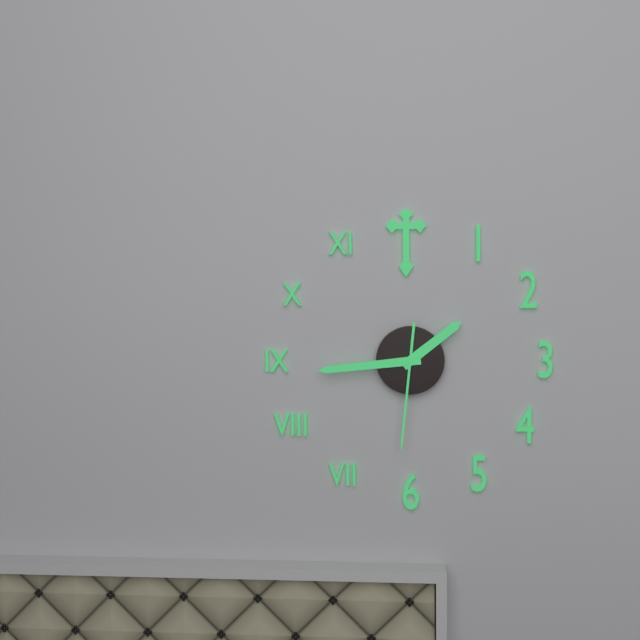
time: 1:44:31
